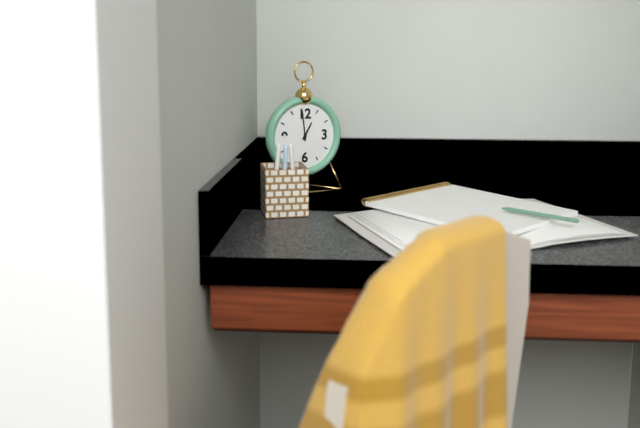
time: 12:59
